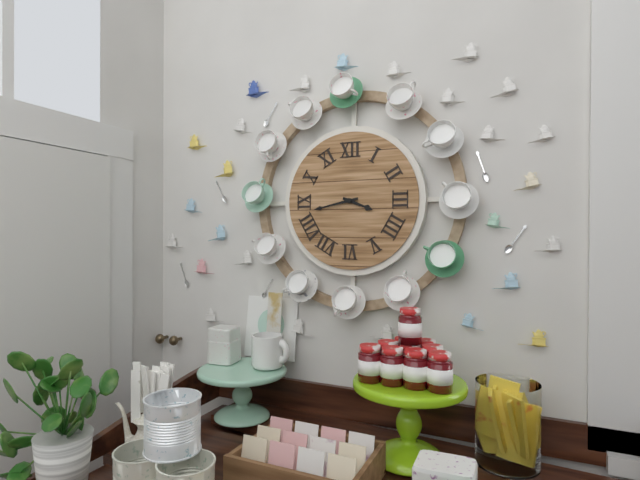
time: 3:43
